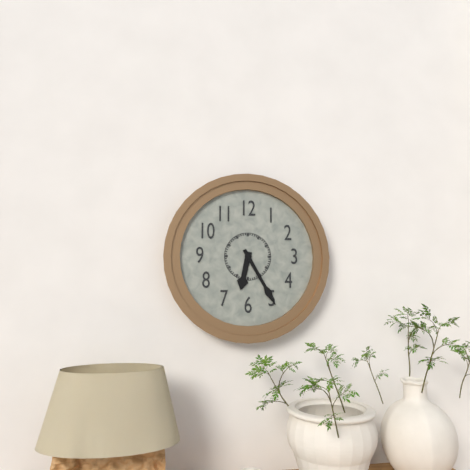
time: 6:25
